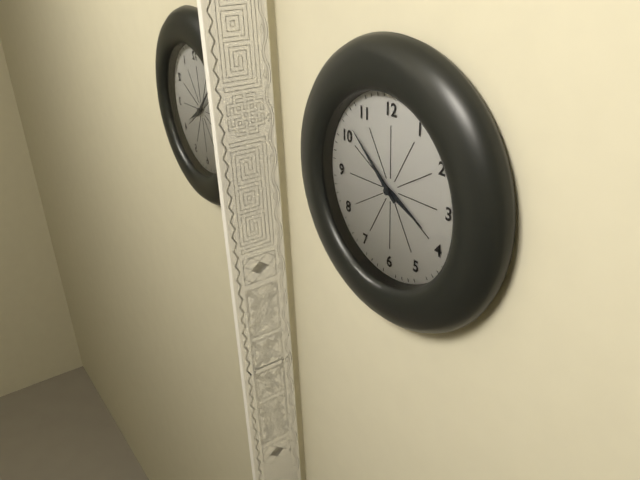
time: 3:52
